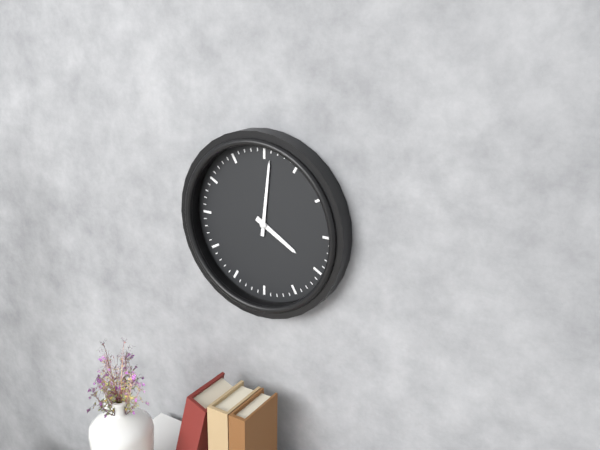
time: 4:01
